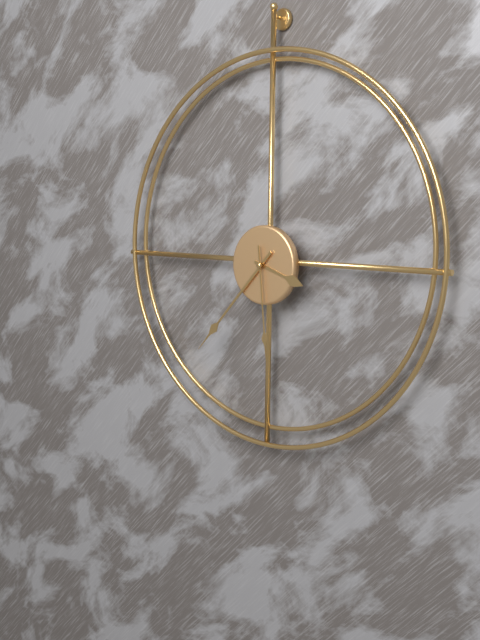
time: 3:37:29
